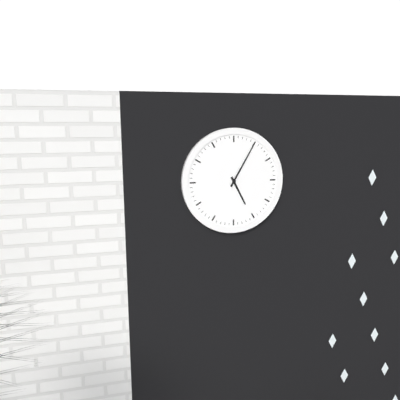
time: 5:05
